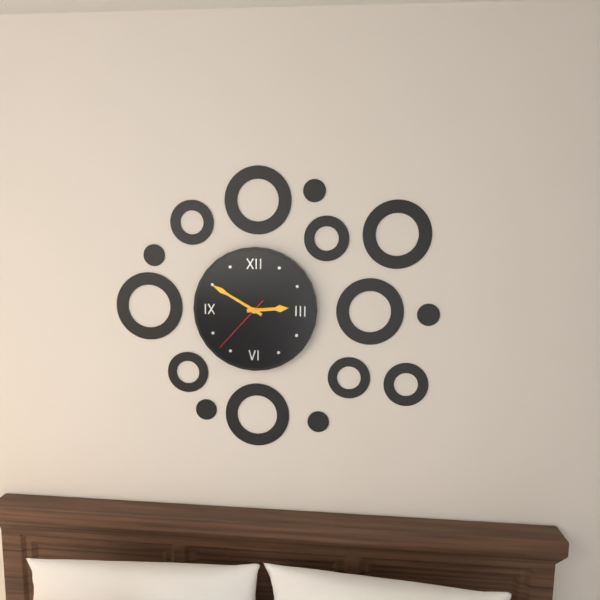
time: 2:50:37
